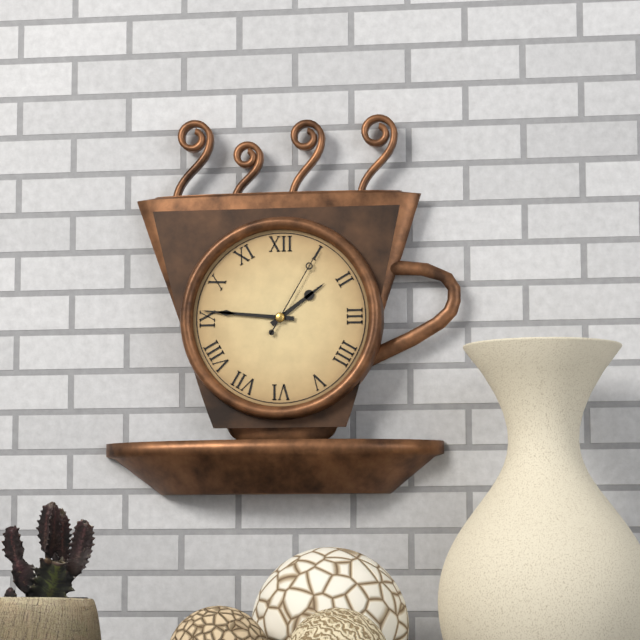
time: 1:46:05
